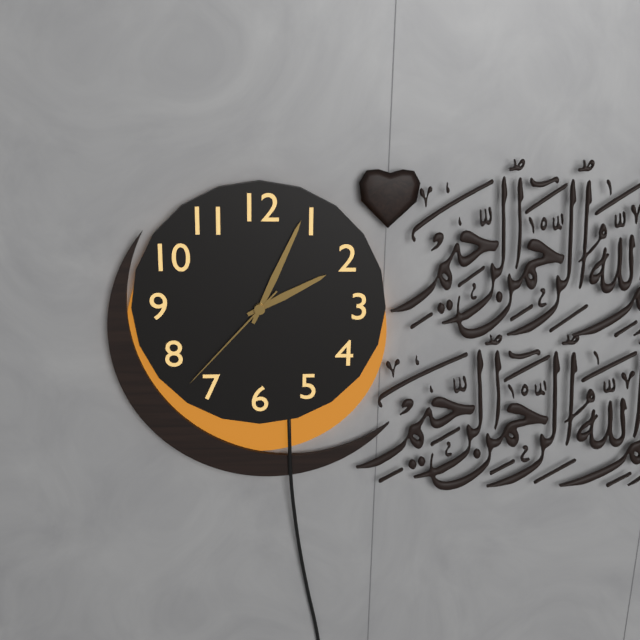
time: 2:04:37
